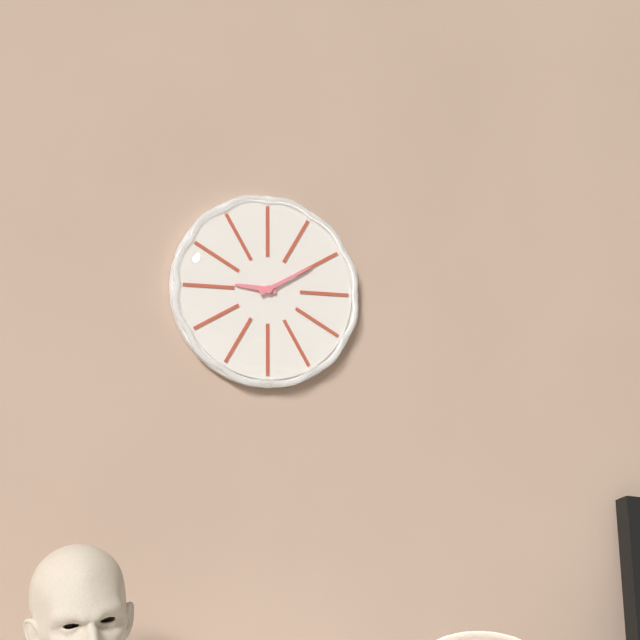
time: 9:10
